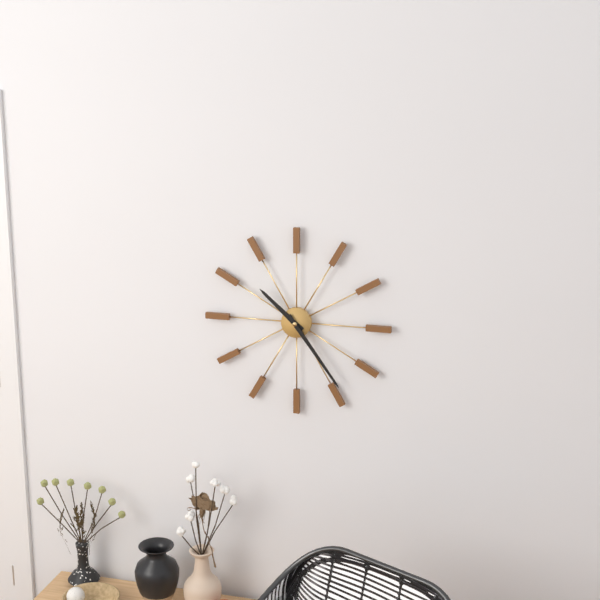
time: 10:24
